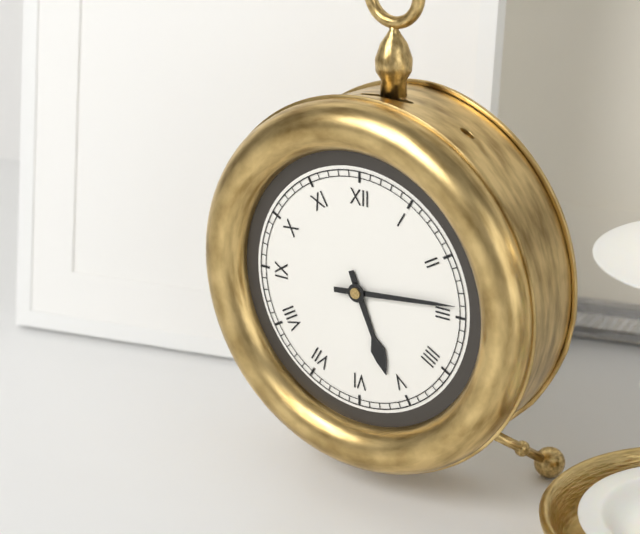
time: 5:14
